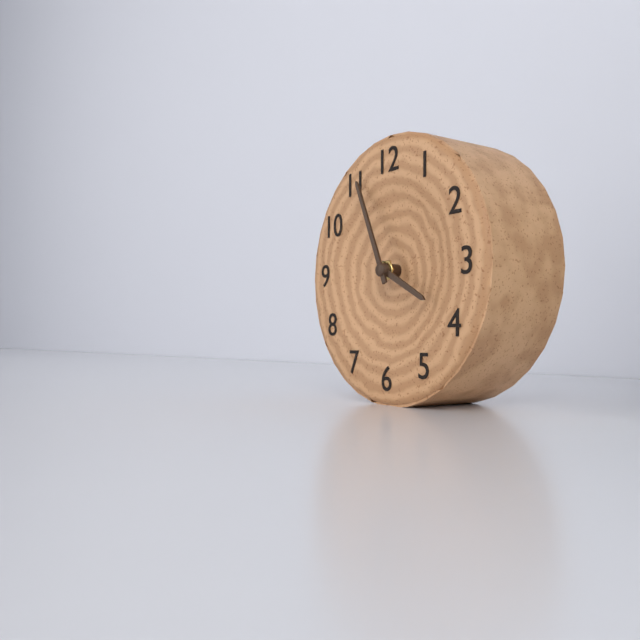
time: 3:56
